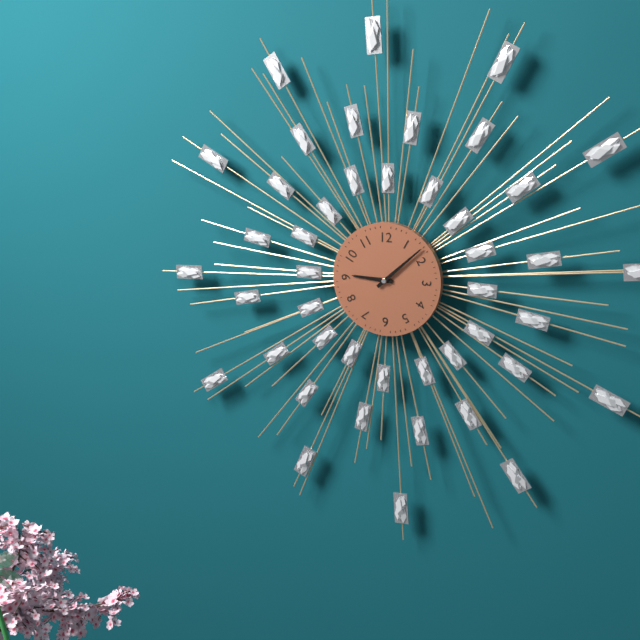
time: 9:08
